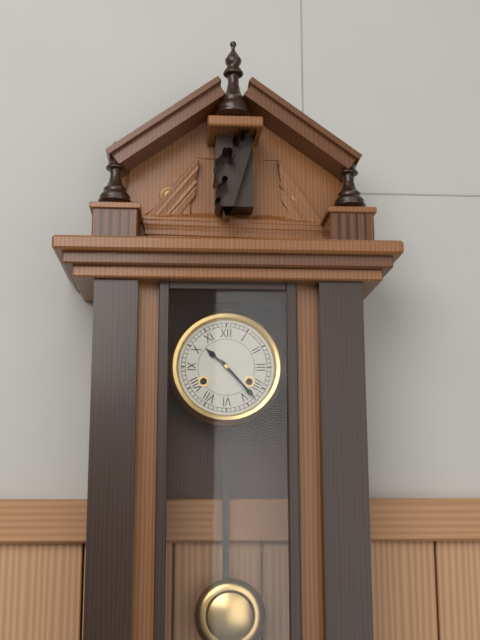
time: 10:23
